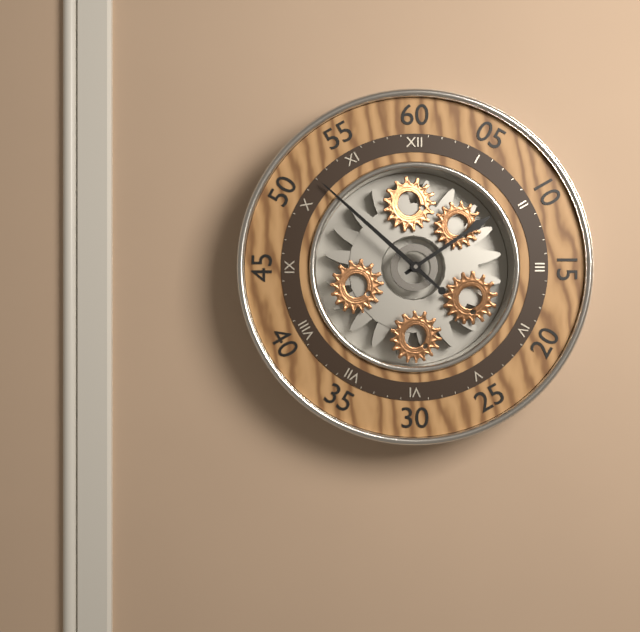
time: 1:52
